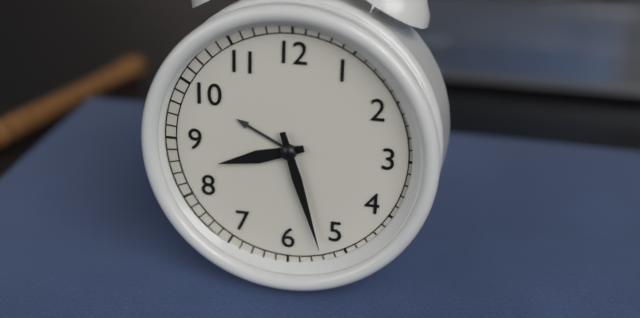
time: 8:27
